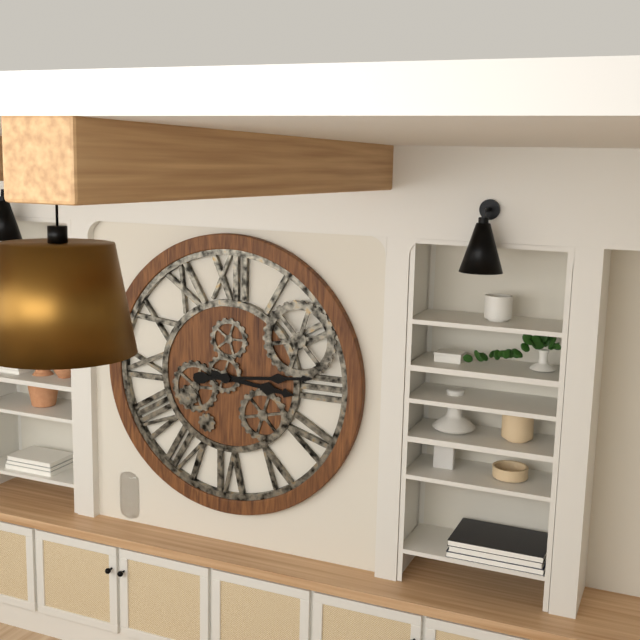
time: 3:14
